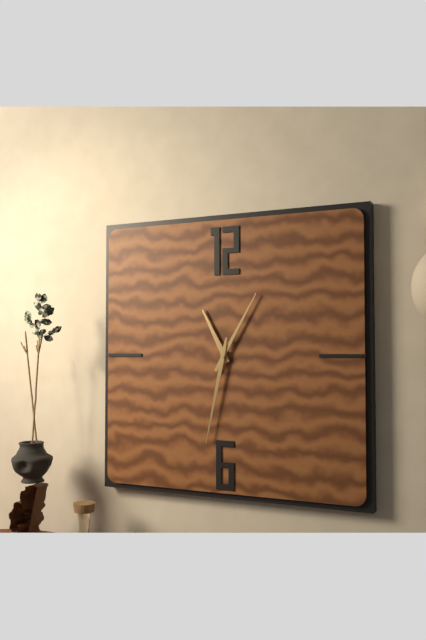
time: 11:05:32
